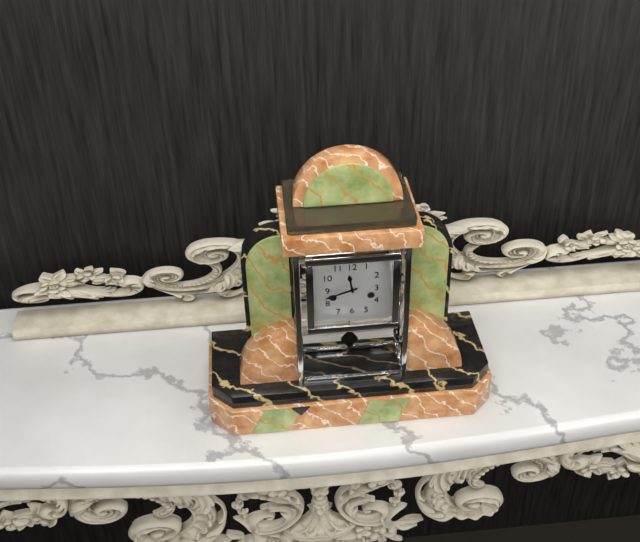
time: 11:42
